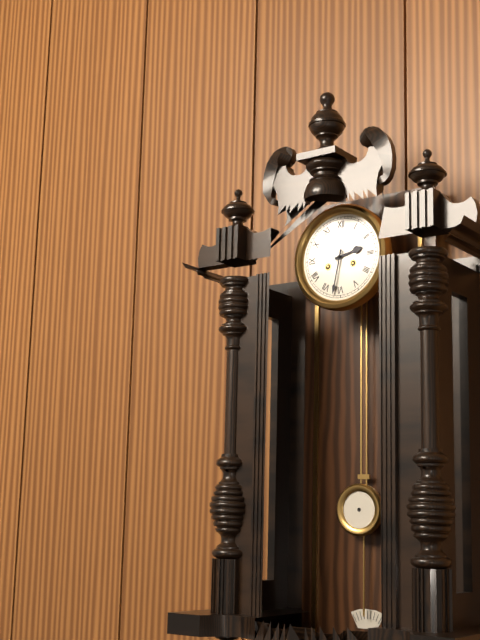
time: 2:32
